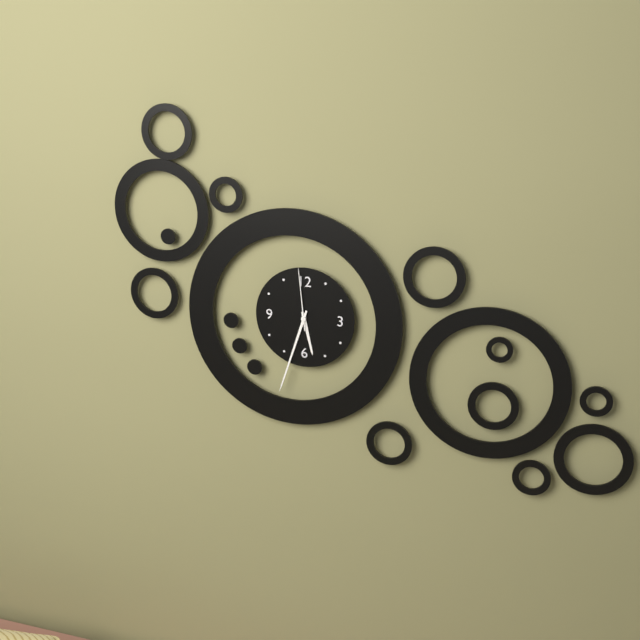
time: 5:33:59
